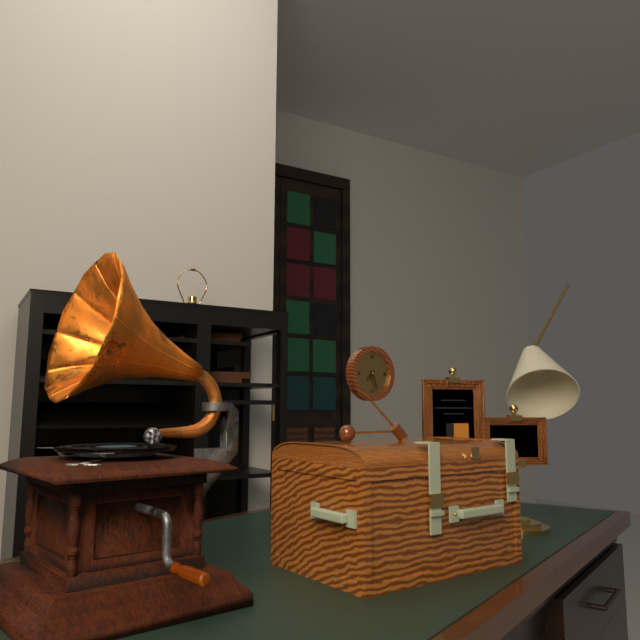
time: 7:27
